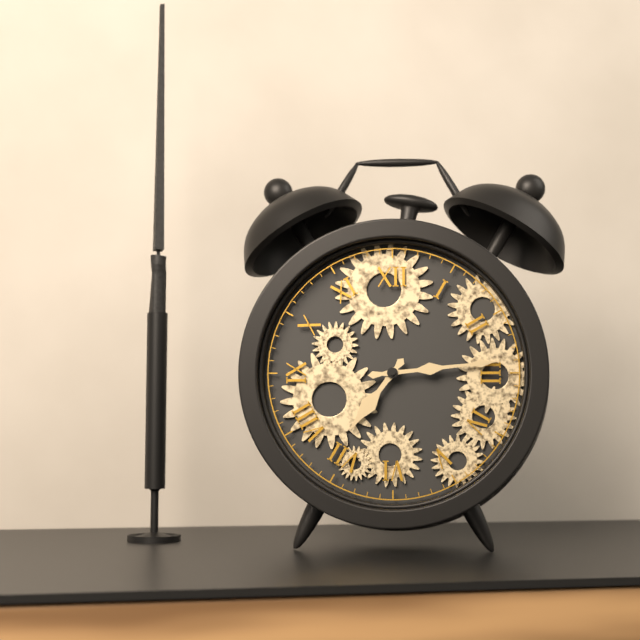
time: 7:14
